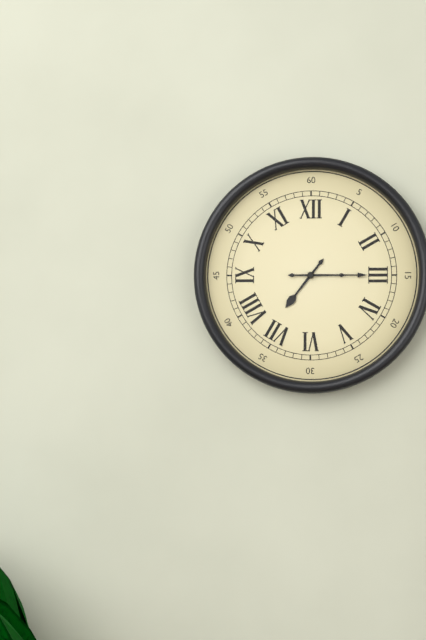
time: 7:15
